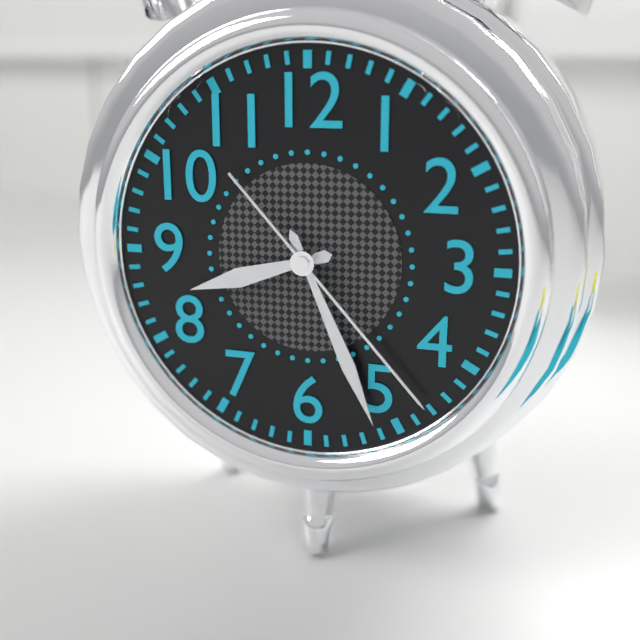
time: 8:26:23
